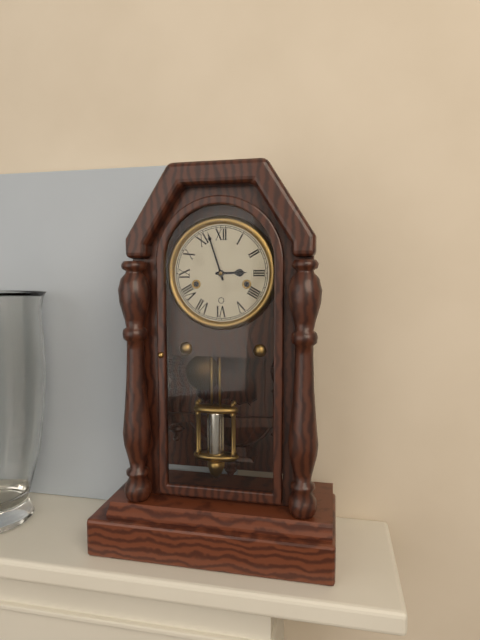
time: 2:57
